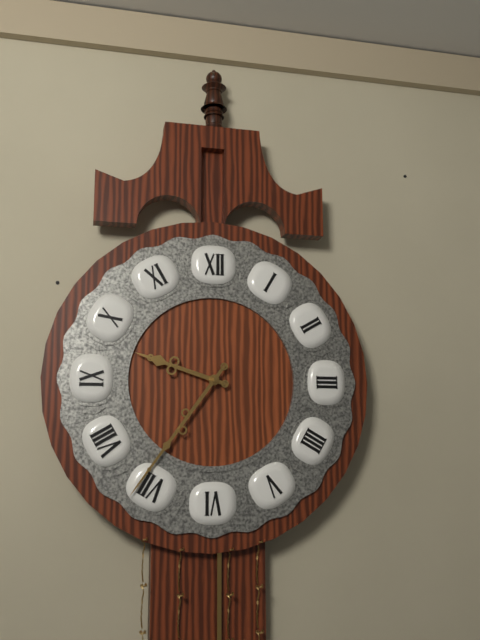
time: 9:36
